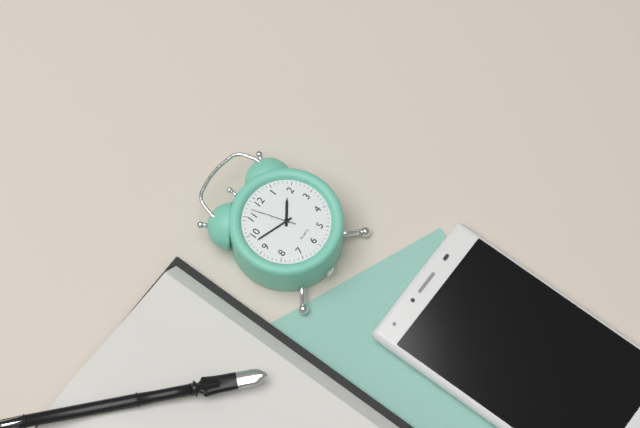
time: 1:48
